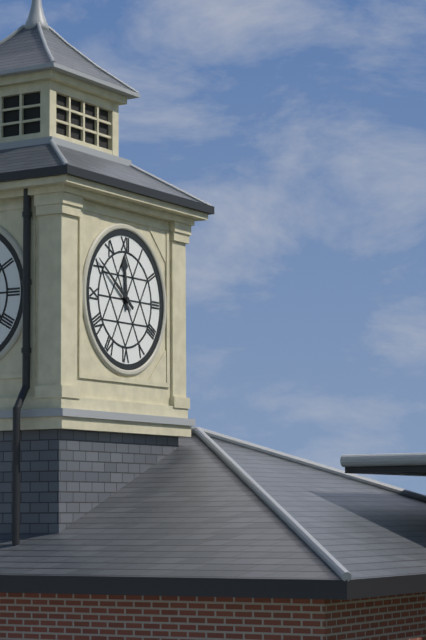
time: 11:51
